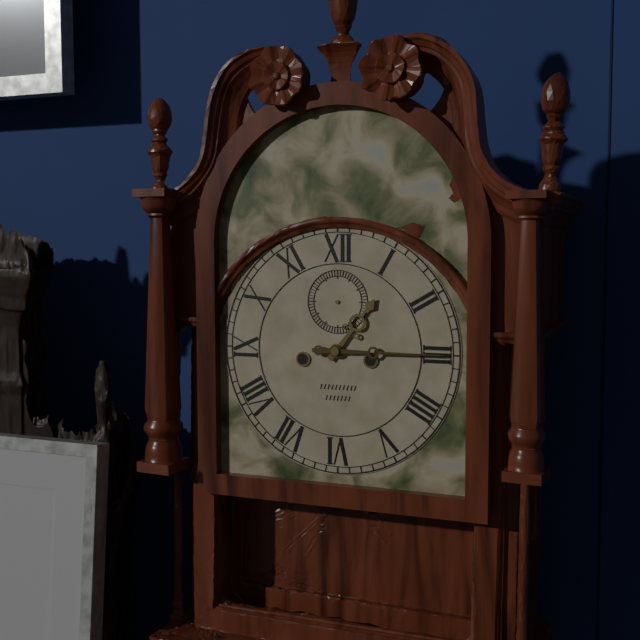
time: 1:15
